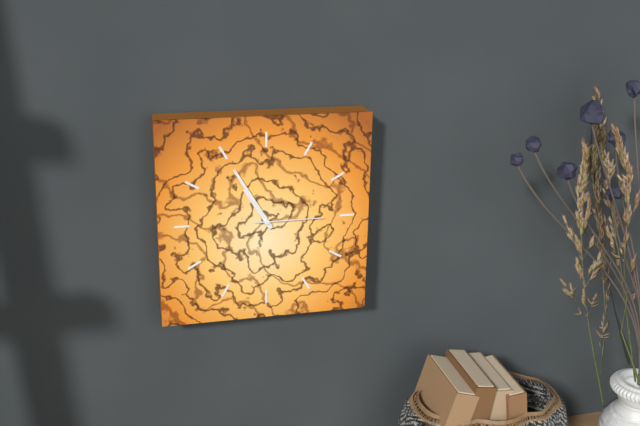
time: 10:55:15
